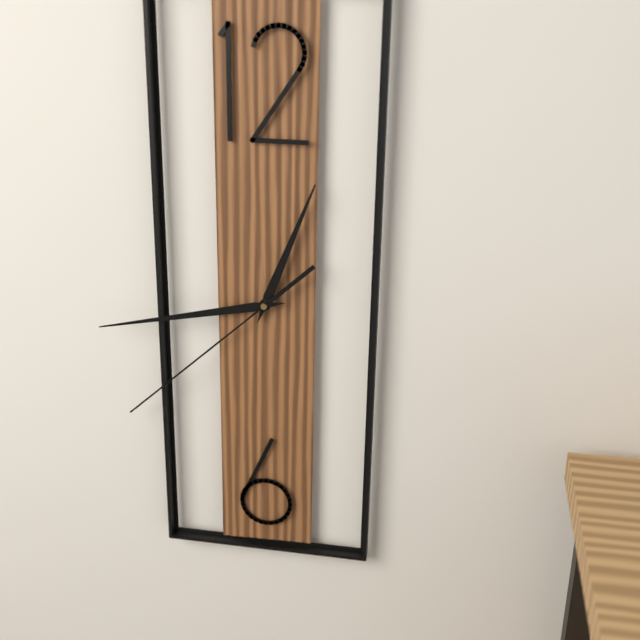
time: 12:43:38
